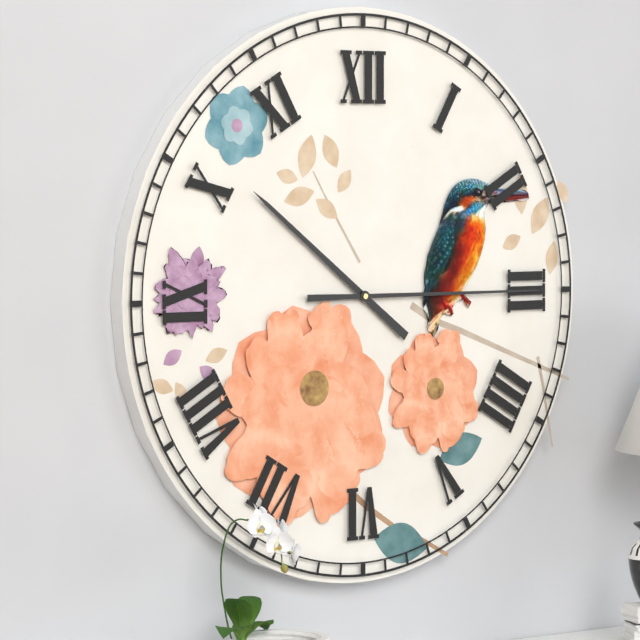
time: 10:15
